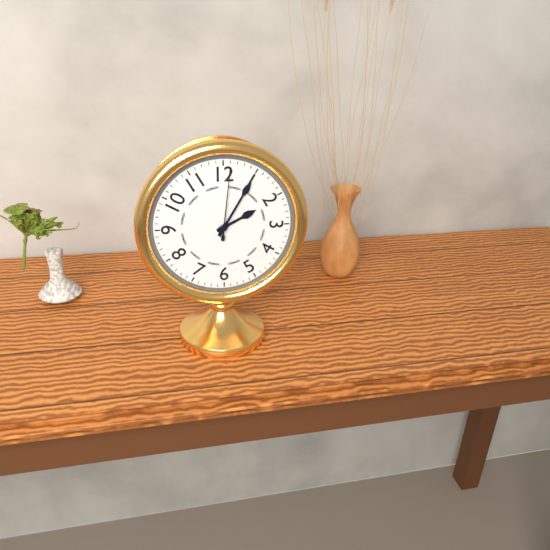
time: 2:05:01
